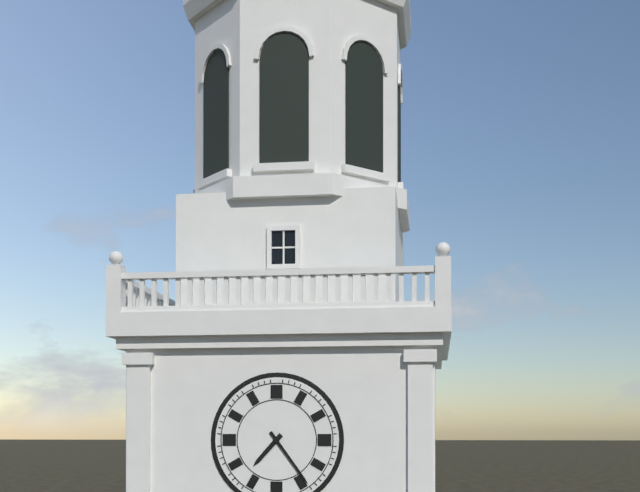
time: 7:24
